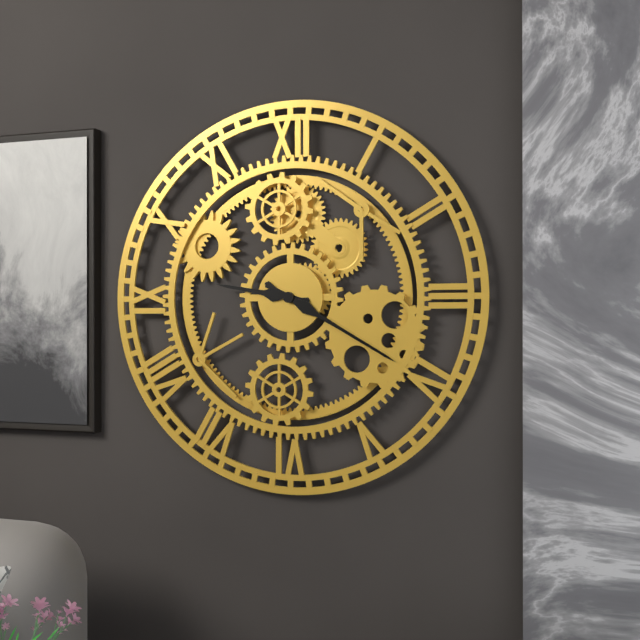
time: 9:20
